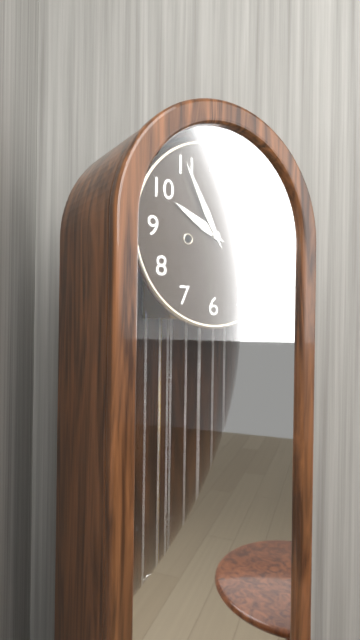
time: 9:55
